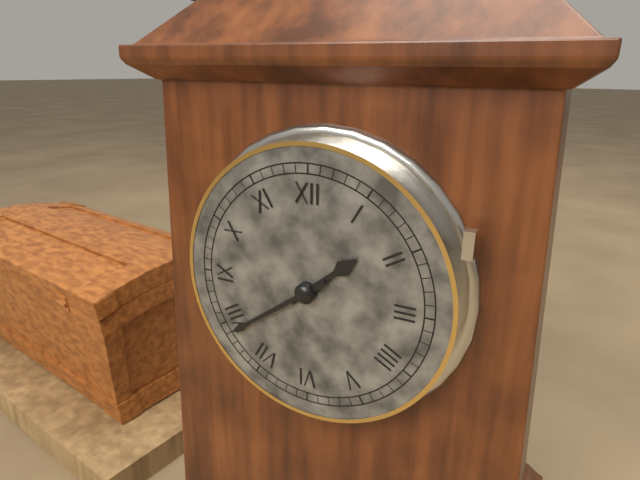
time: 1:39
